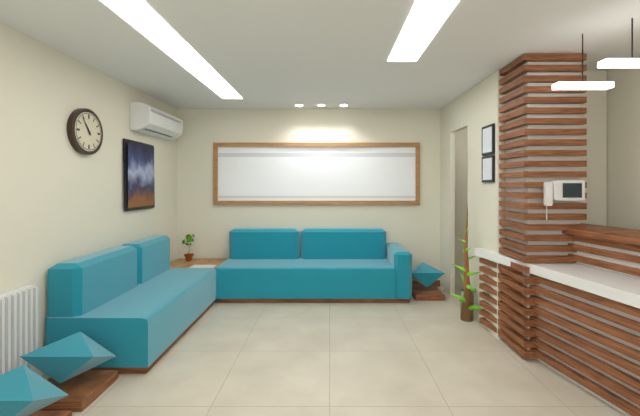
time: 10:54
